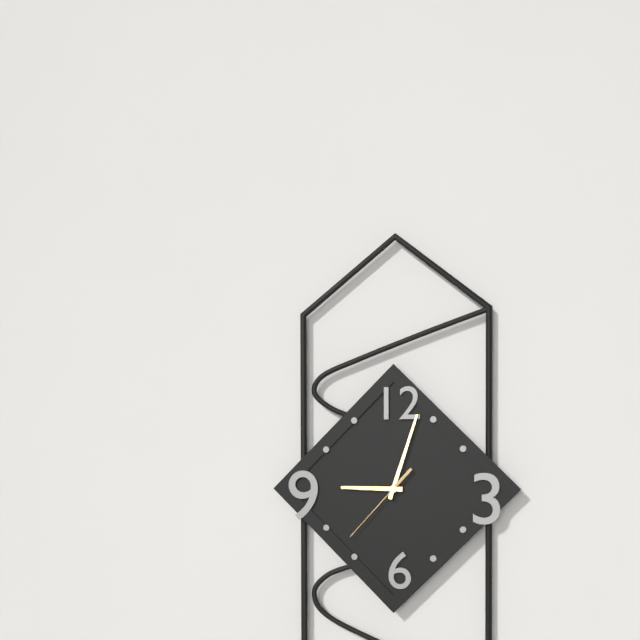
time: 9:03:37
